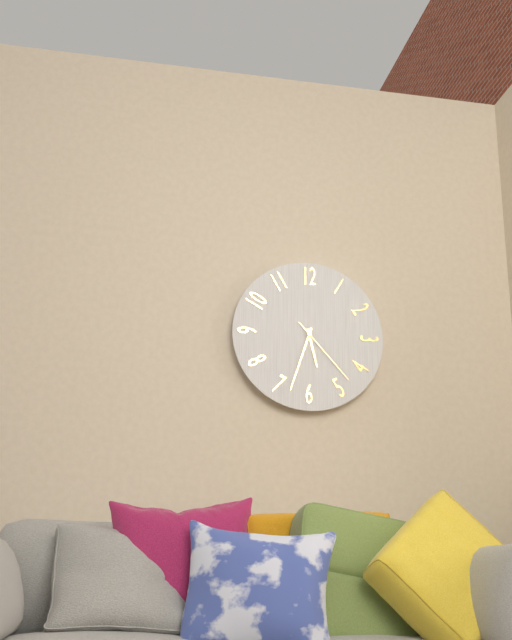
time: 5:33:23
